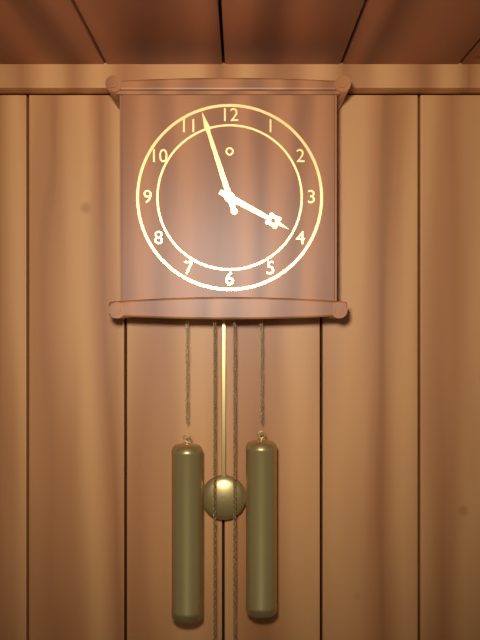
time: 3:57
